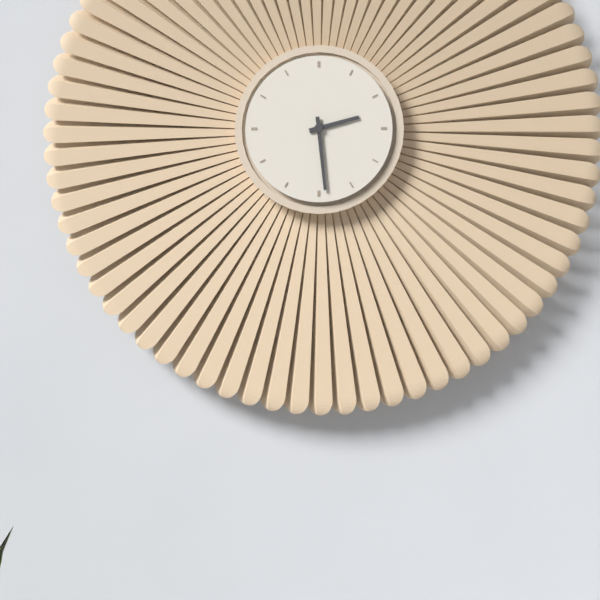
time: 2:29
